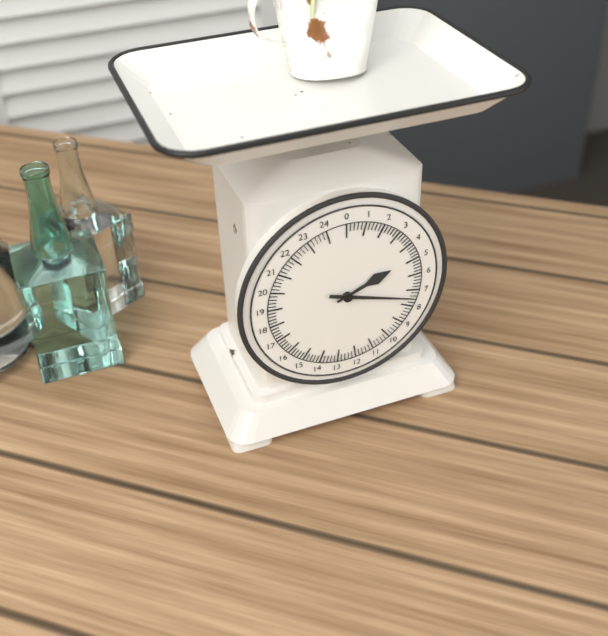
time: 2:18
